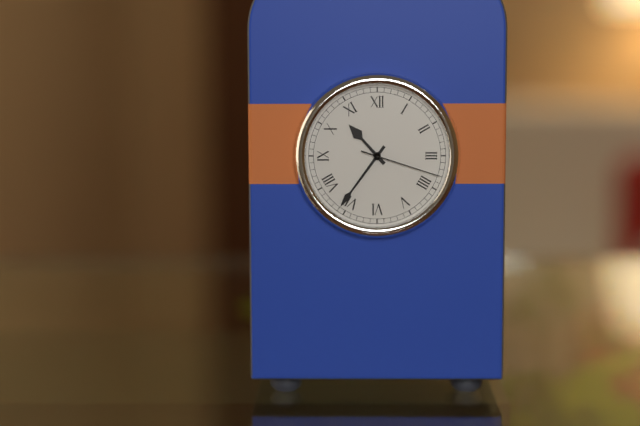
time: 10:36:18
